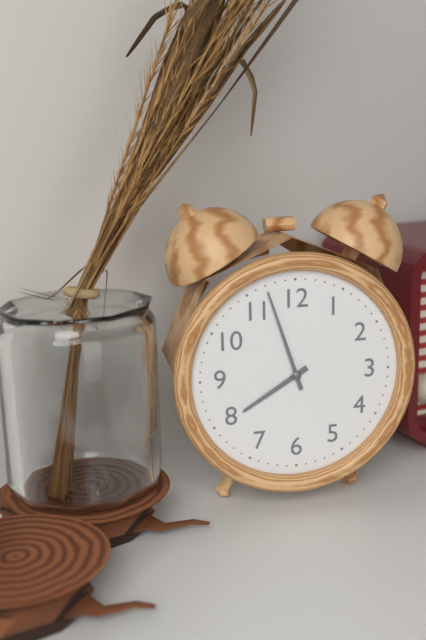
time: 7:57
